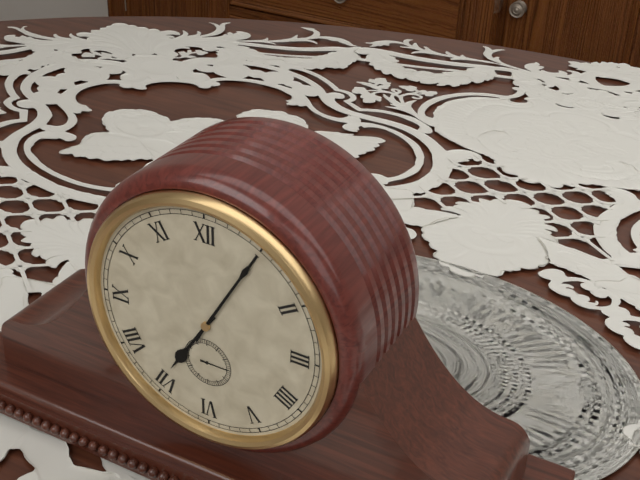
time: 7:05:15
